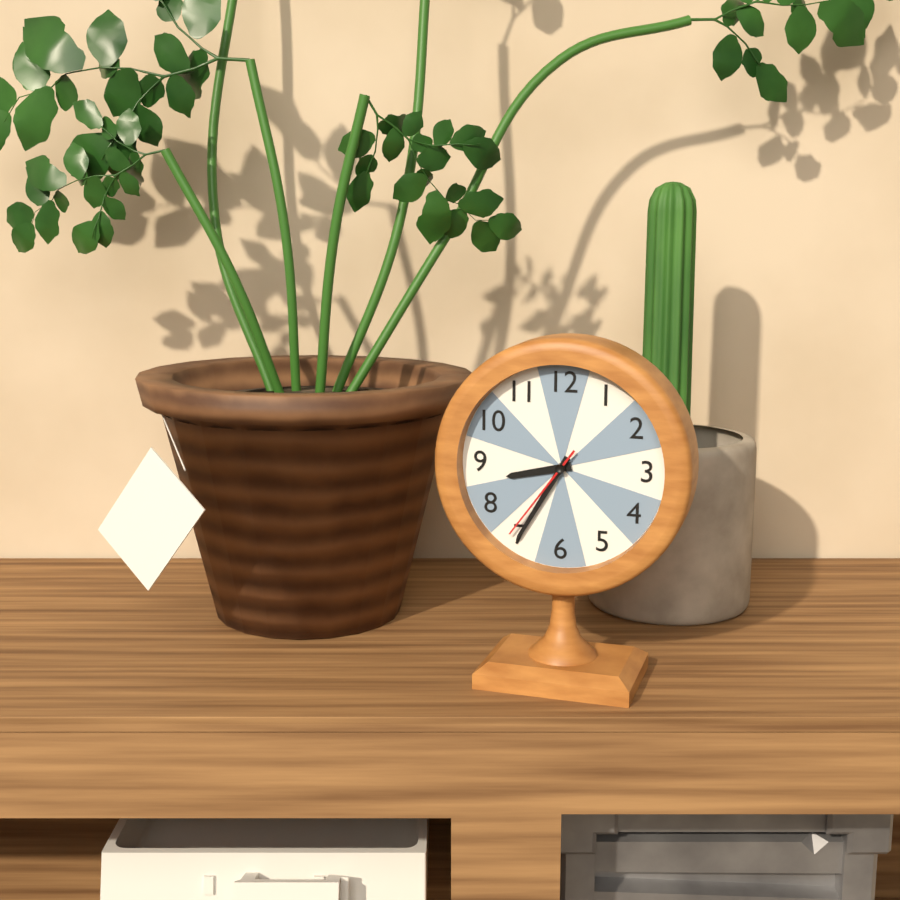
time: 8:35:36
